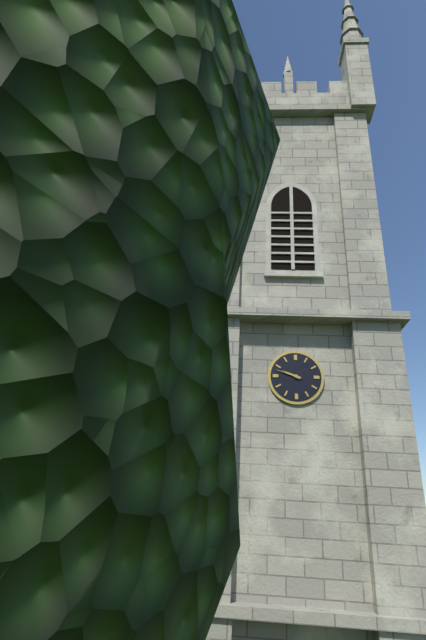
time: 9:48
